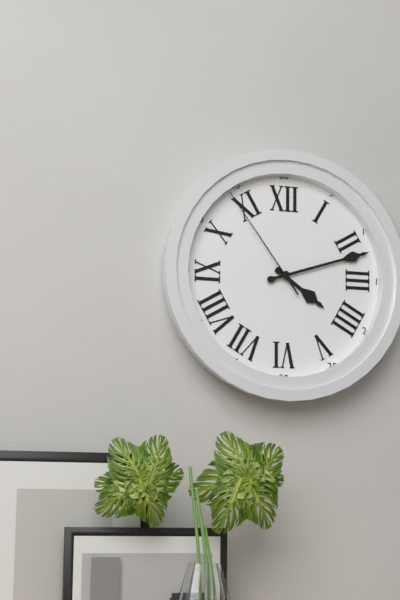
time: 4:12:54
